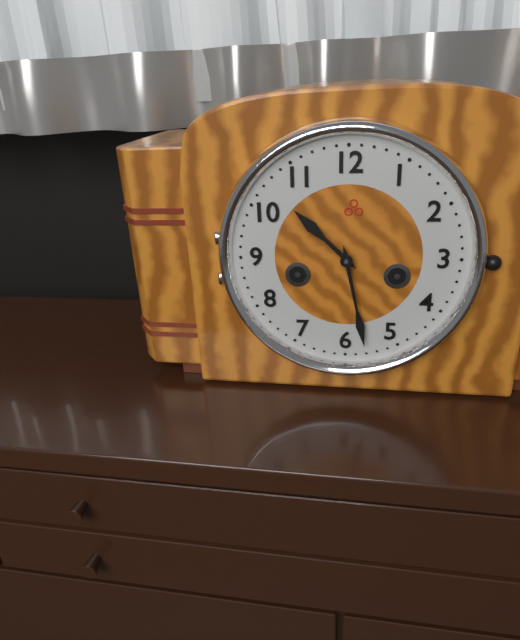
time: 10:28
